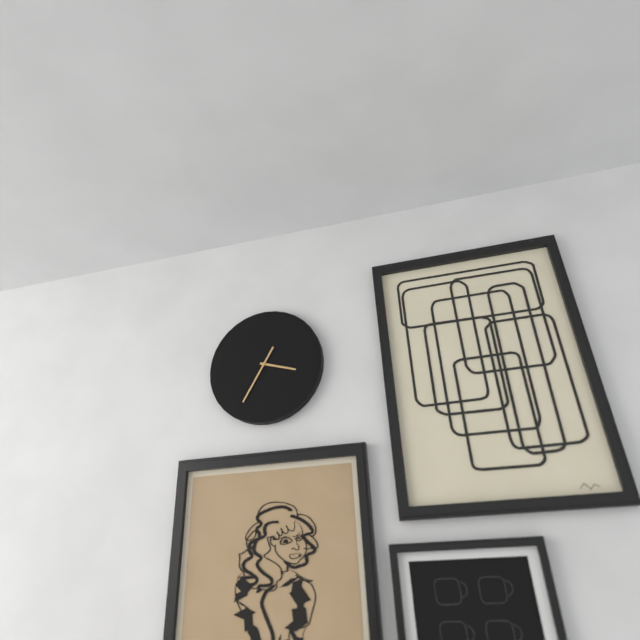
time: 3:35
